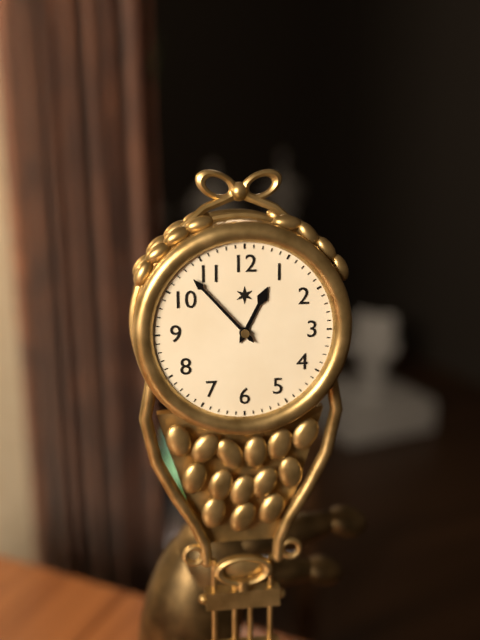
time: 12:53
